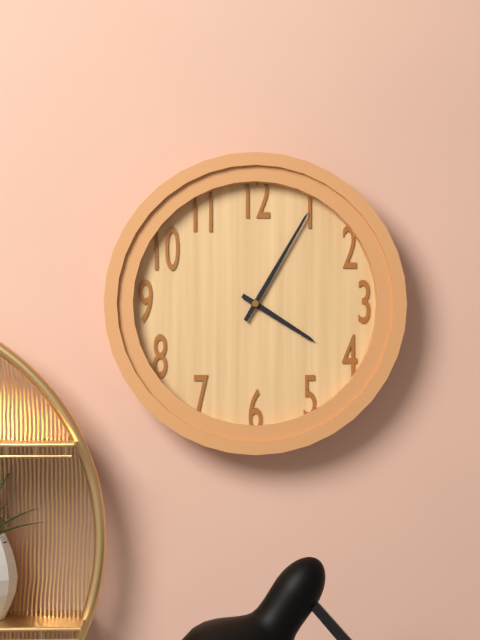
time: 4:05
